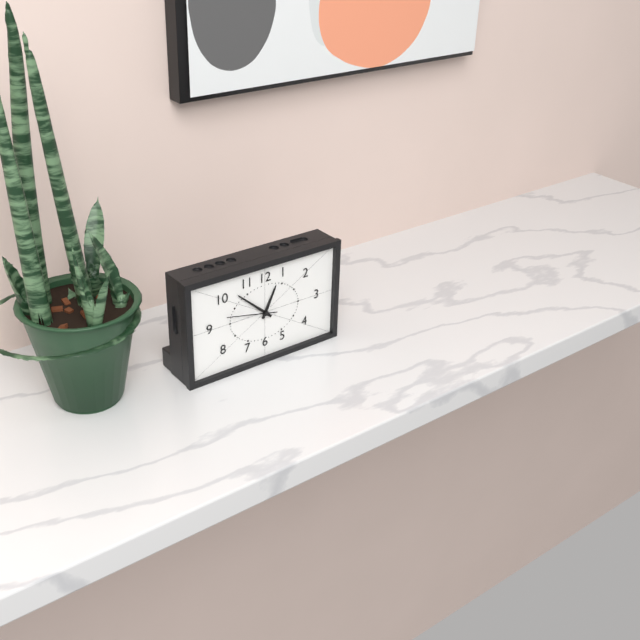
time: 12:52
